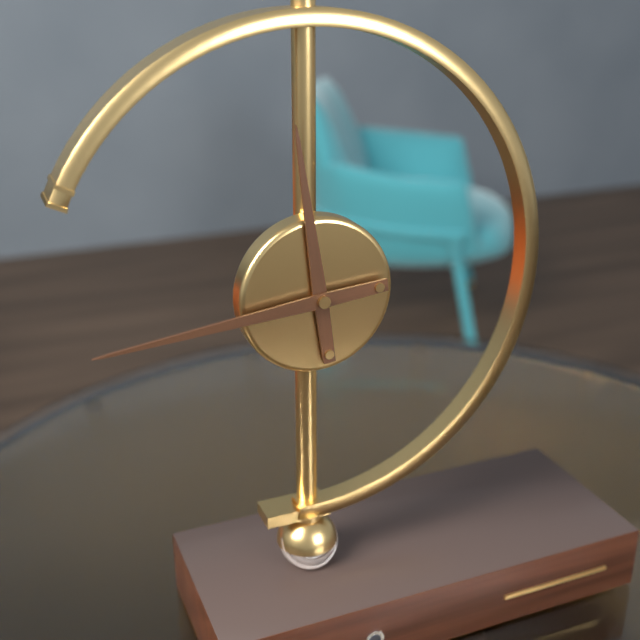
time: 11:44
